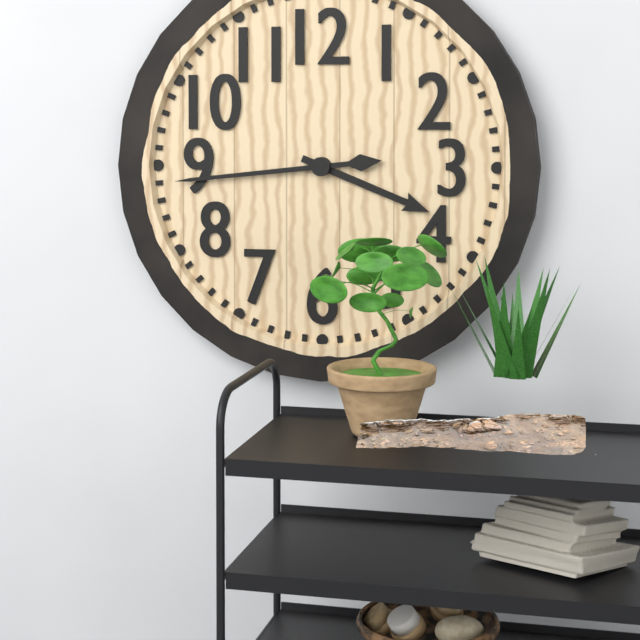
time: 3:44
